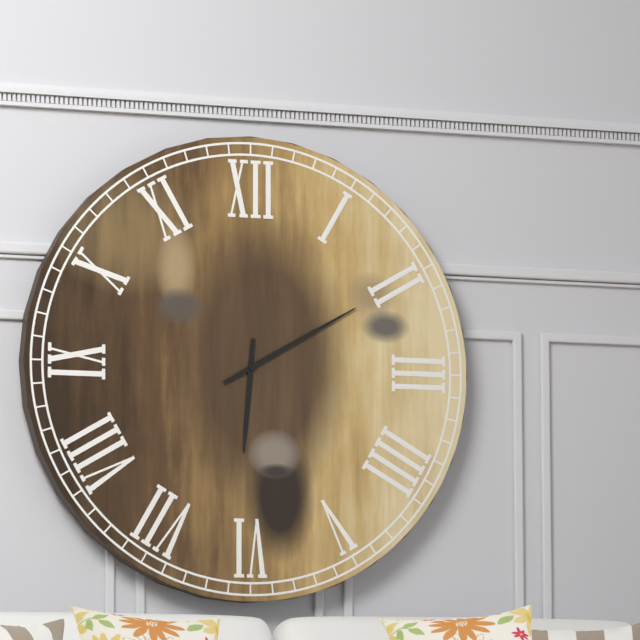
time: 6:10
